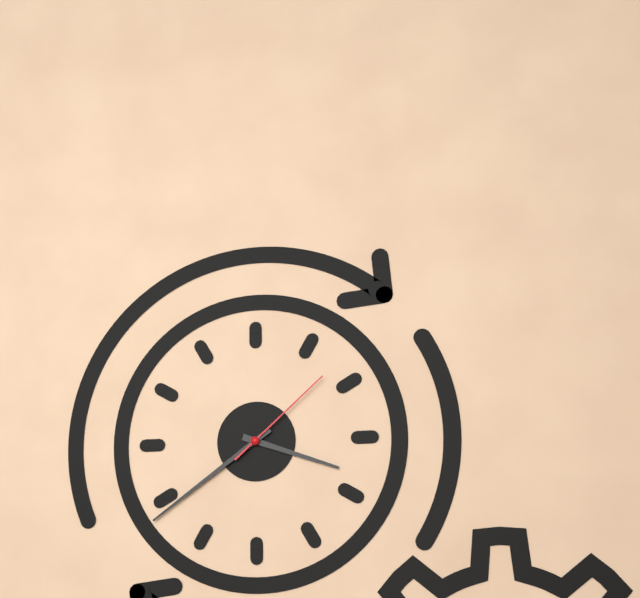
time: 3:39:08
